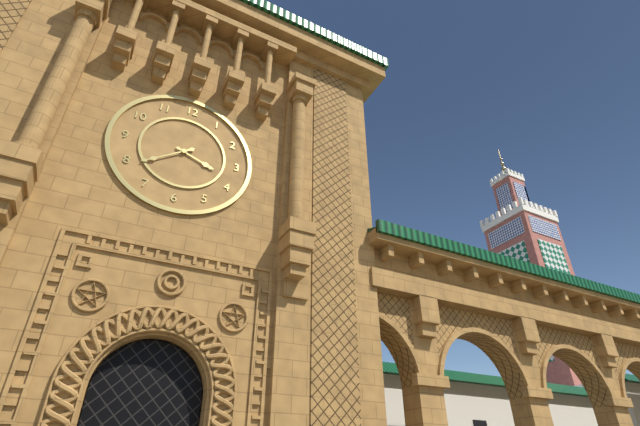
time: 3:39
